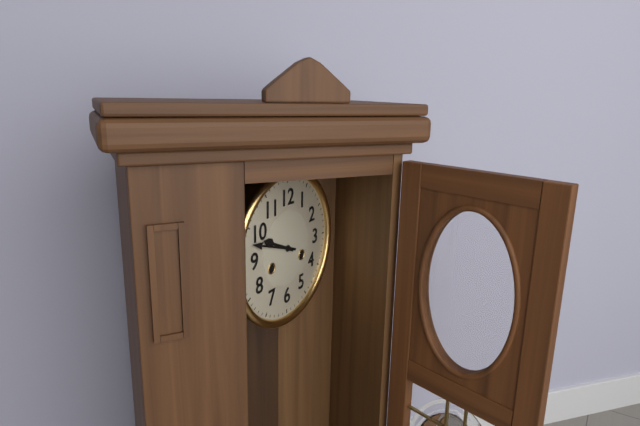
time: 9:48
